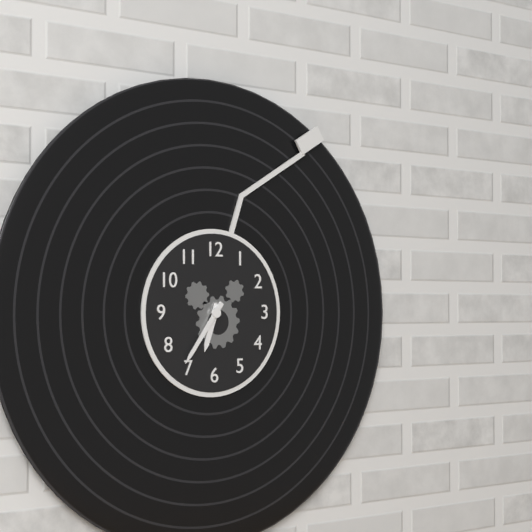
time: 6:36
